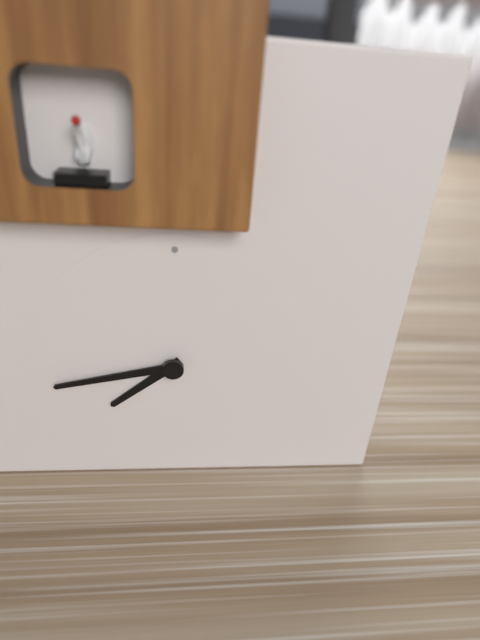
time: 7:43
